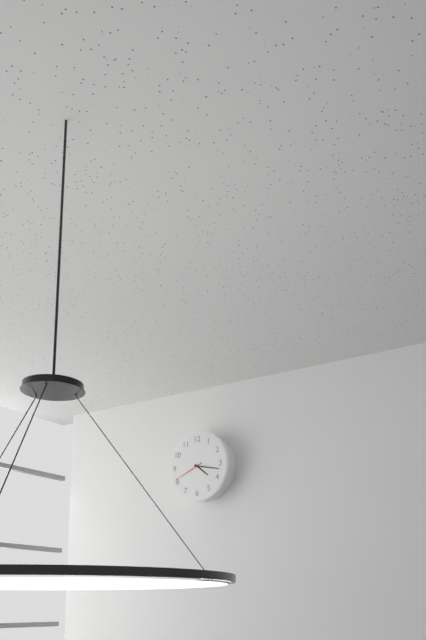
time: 4:17
